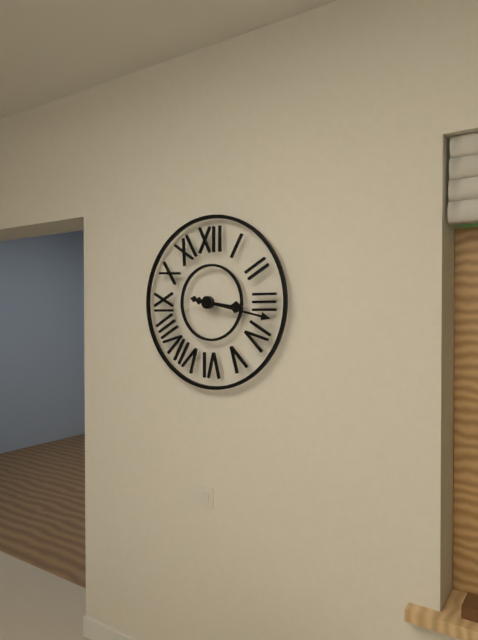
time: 3:17
